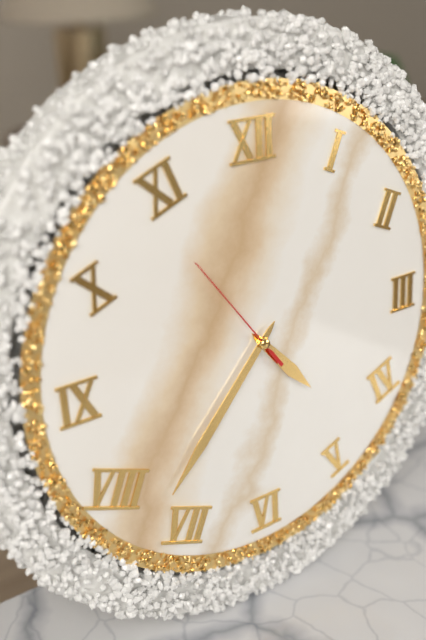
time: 4:37:54
